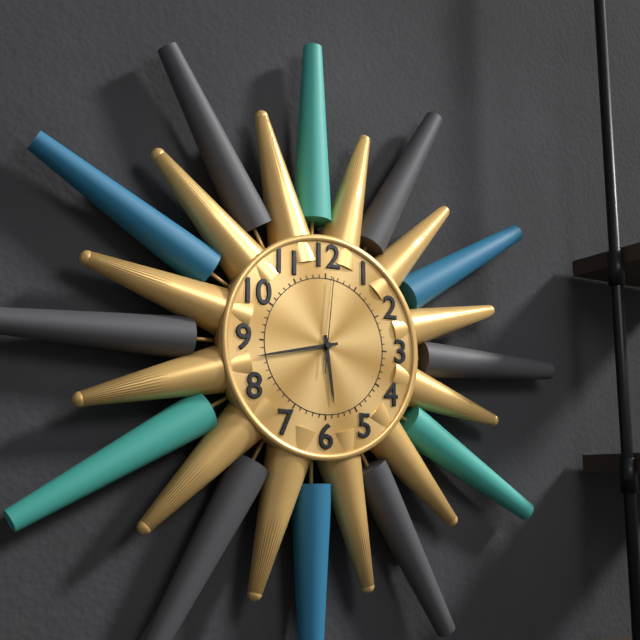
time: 5:43:01
